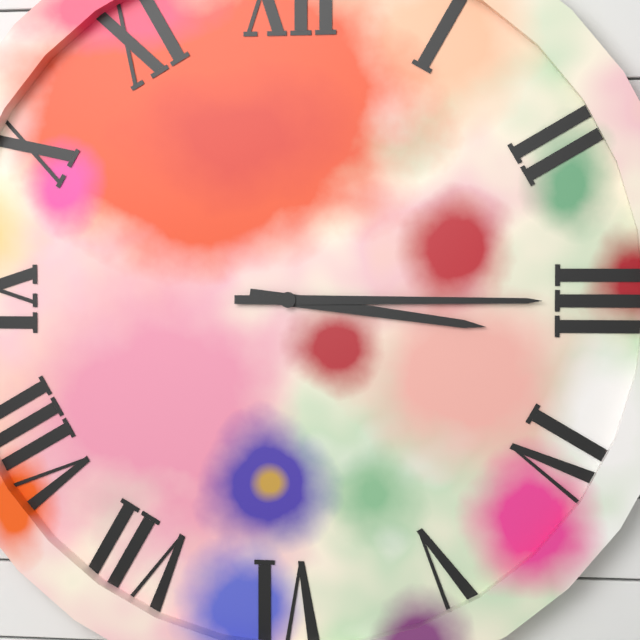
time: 3:15
